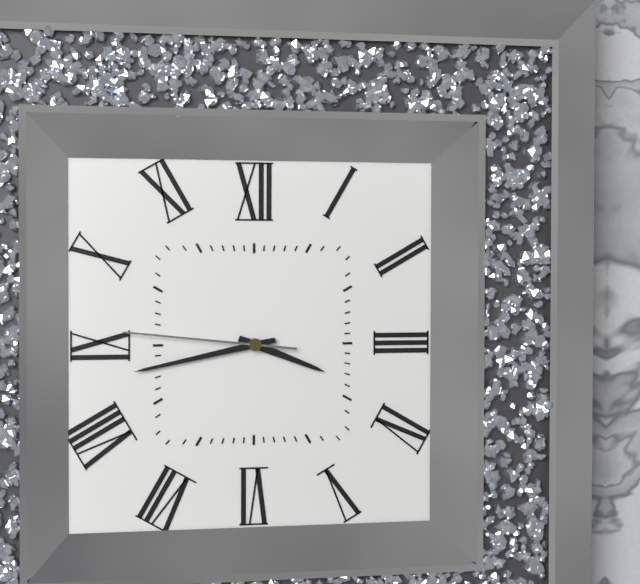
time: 3:43:46
